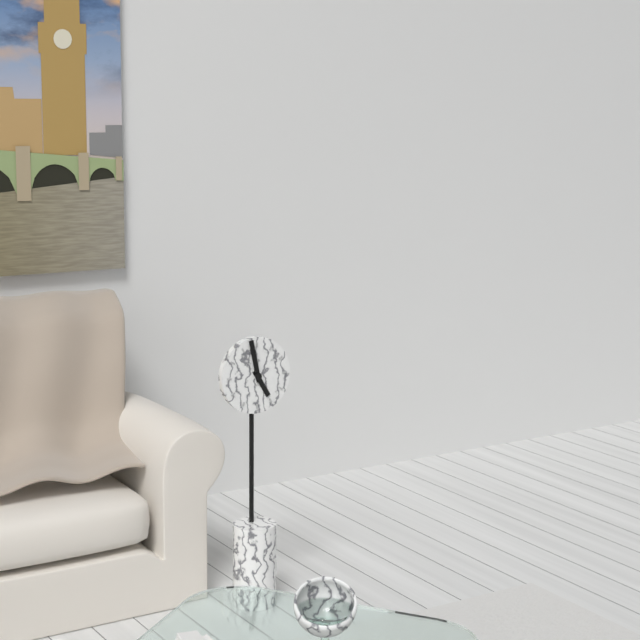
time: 4:58
